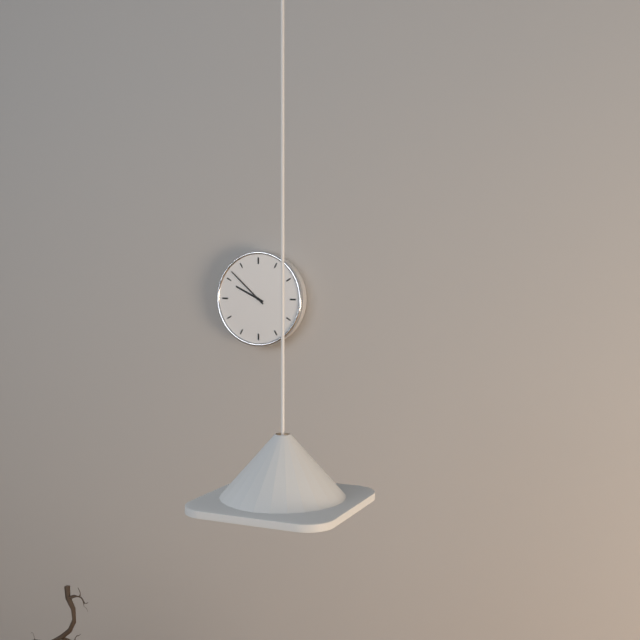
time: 9:52
